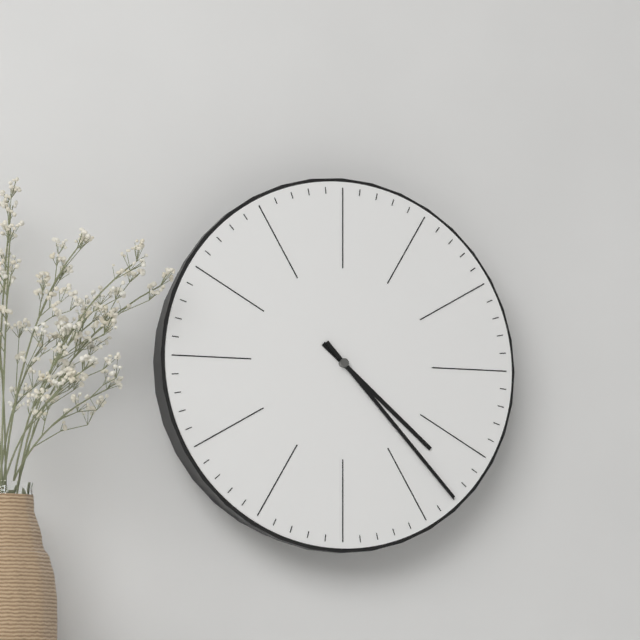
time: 4:23
